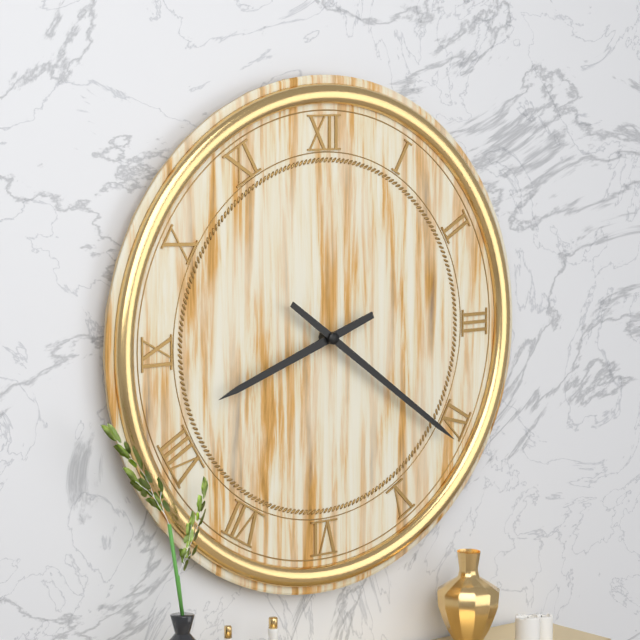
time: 8:21
